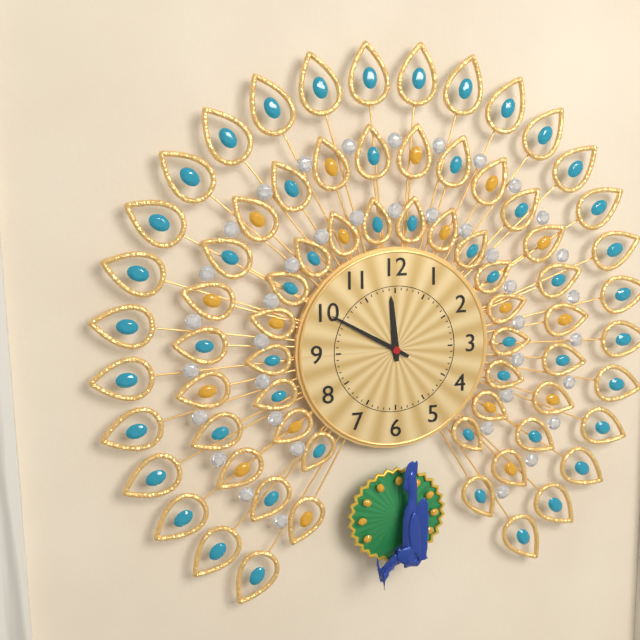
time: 11:50
